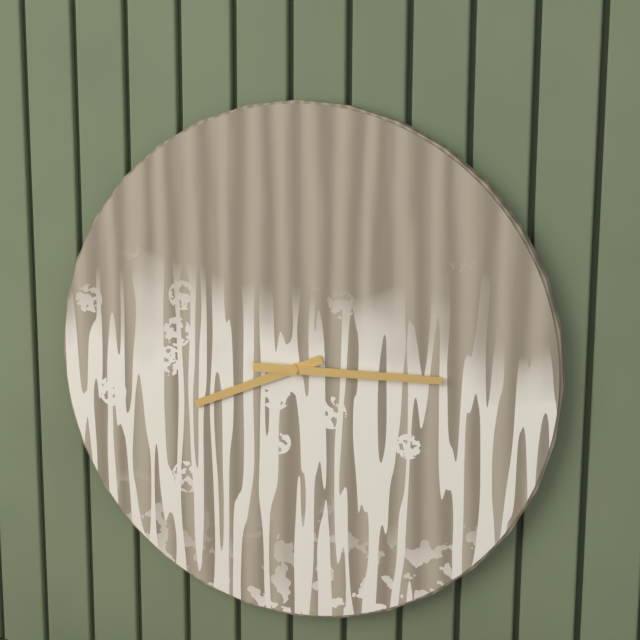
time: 8:15
